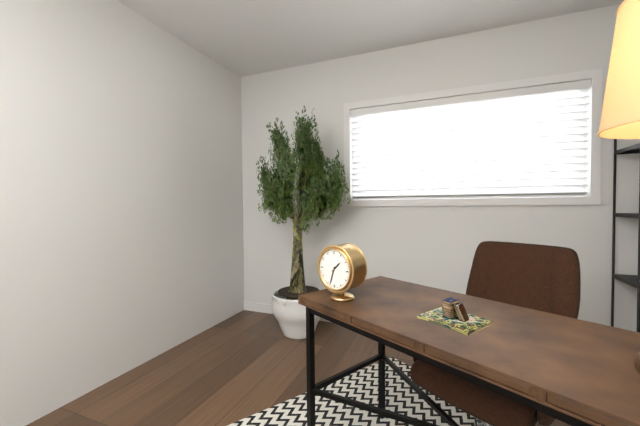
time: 1:33
